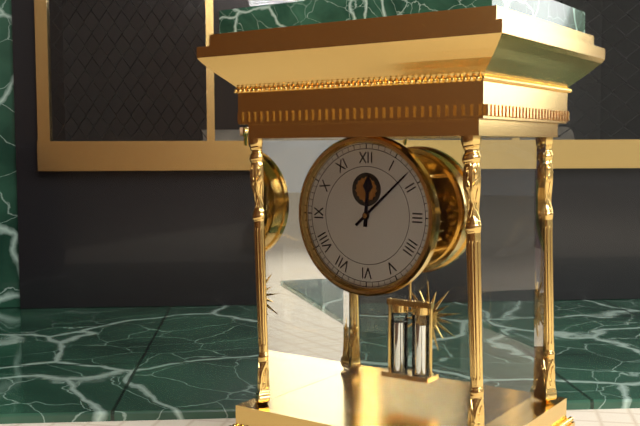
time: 12:08
